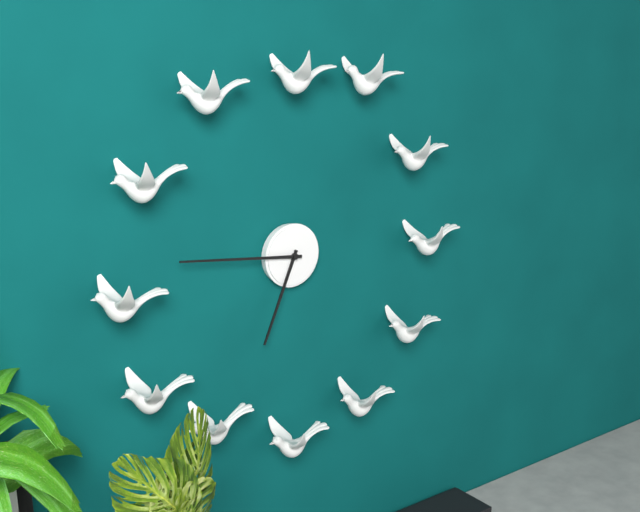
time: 6:46
